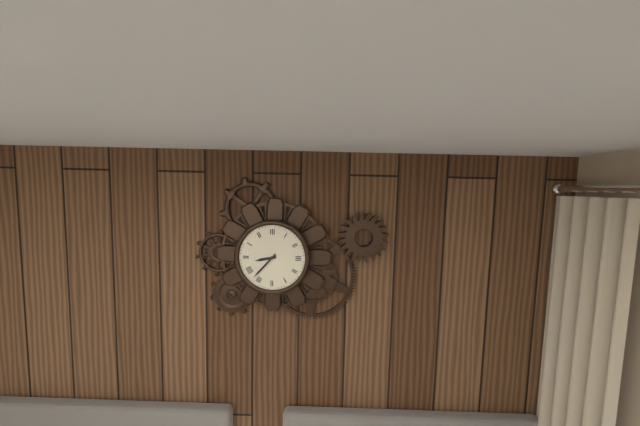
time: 8:37
